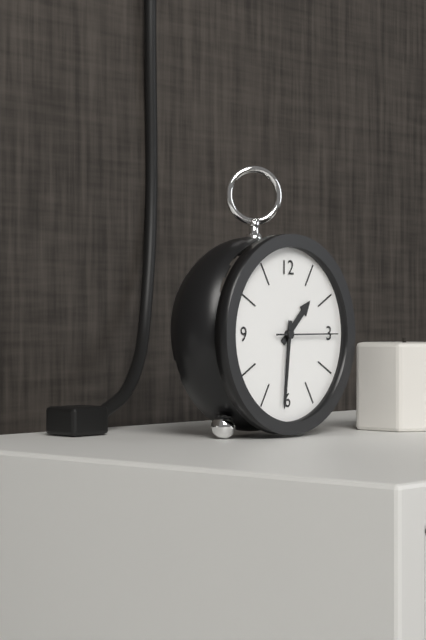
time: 1:31:15
